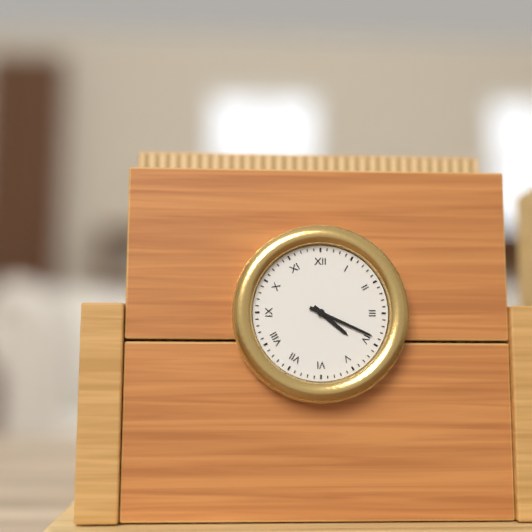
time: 4:19
